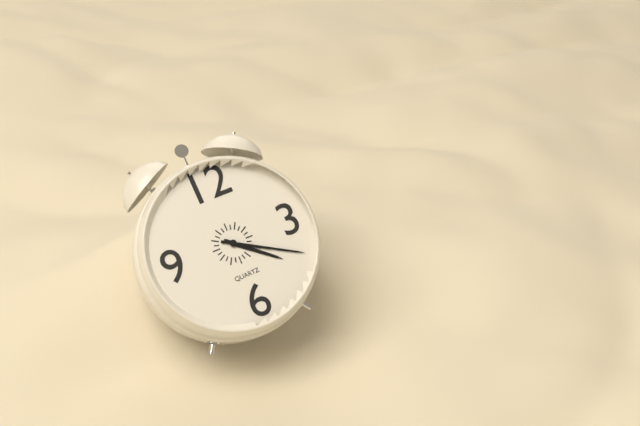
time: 4:20
